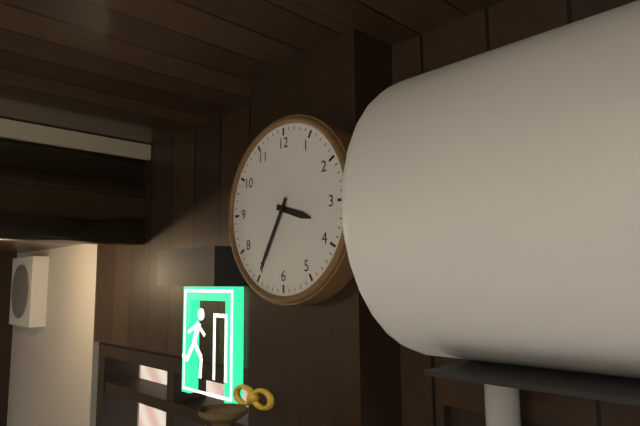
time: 3:35
